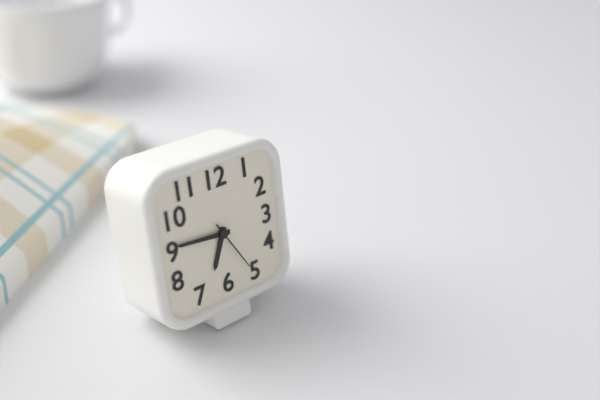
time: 6:46:25
